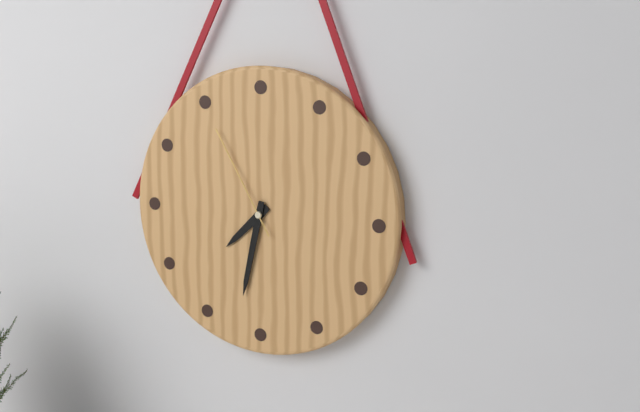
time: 7:32:55
